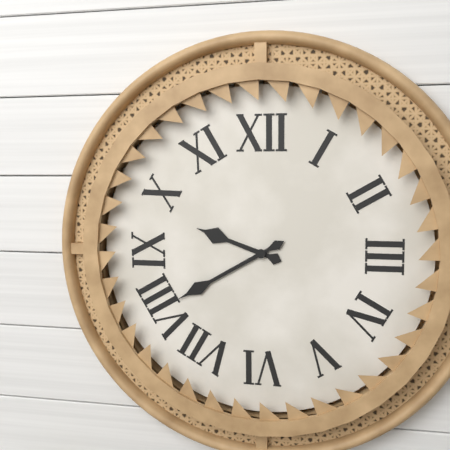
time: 9:40
